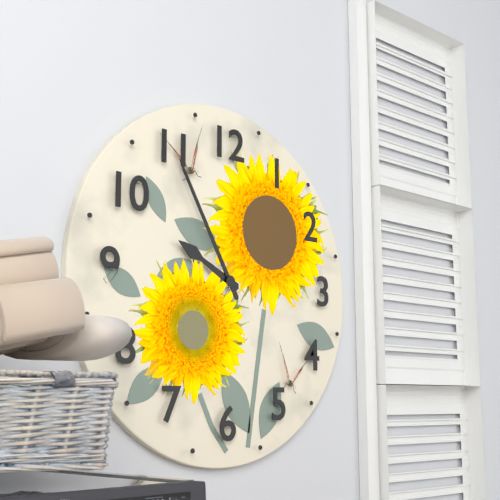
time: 9:55
